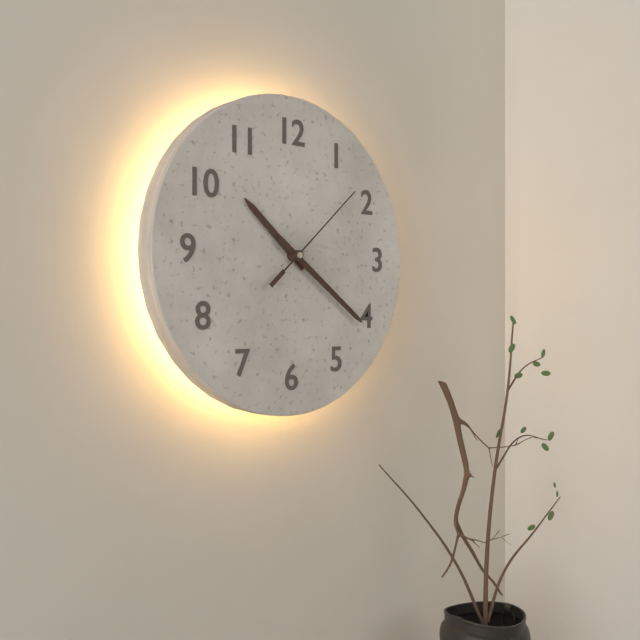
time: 10:21:08
